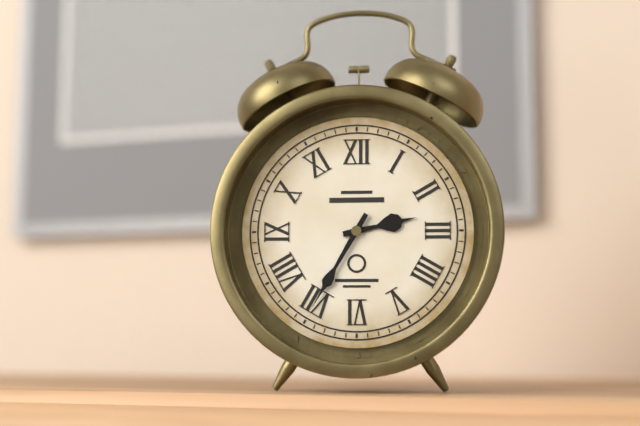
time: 2:35
